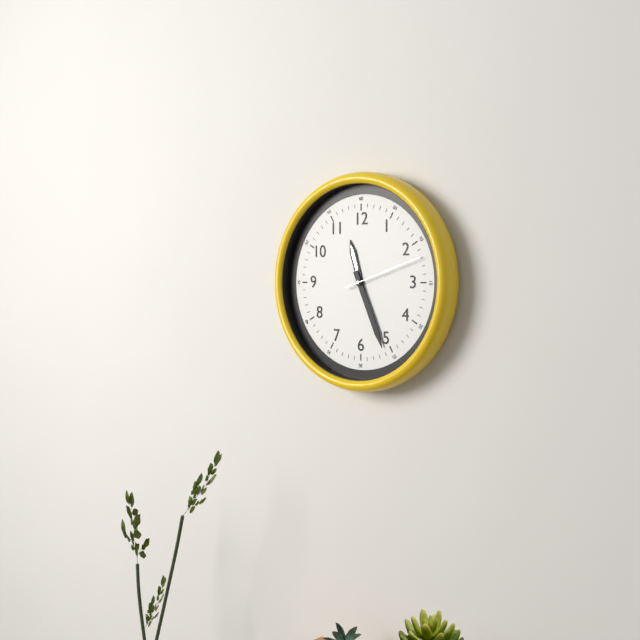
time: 11:26:12
